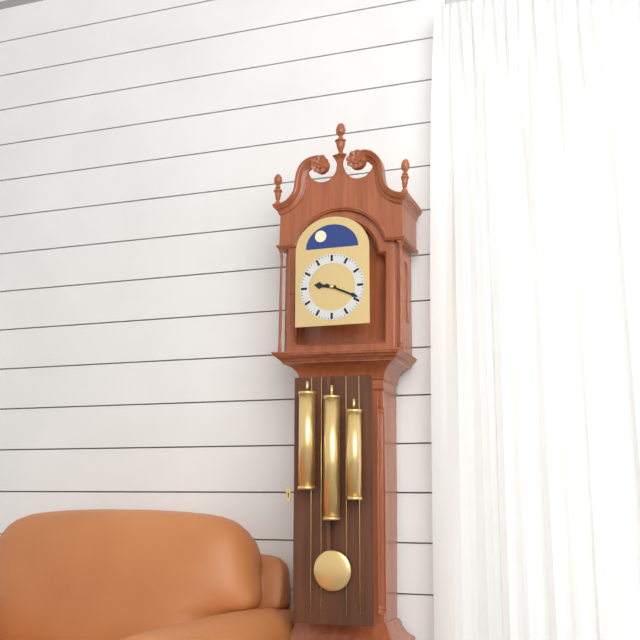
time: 9:19
